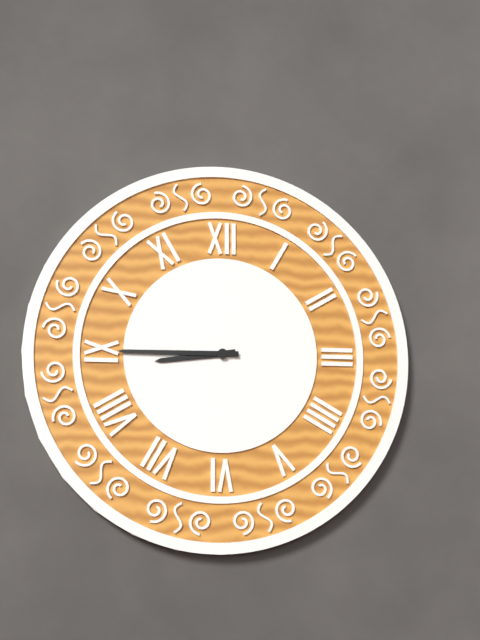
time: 8:45
